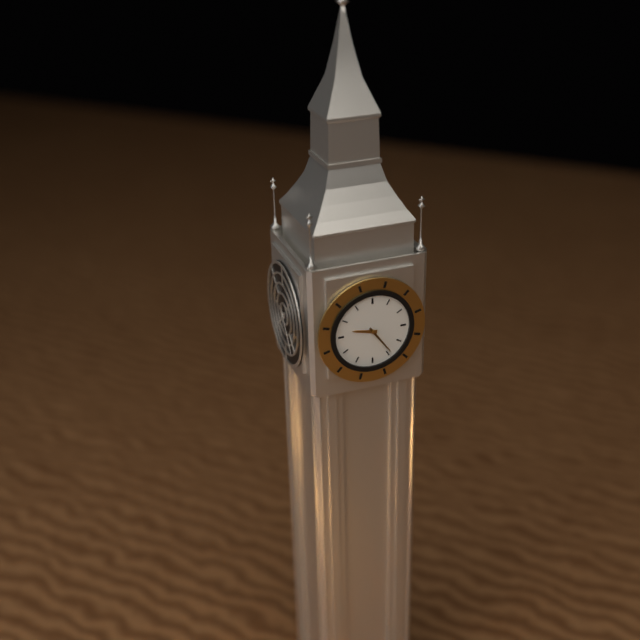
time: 9:24
